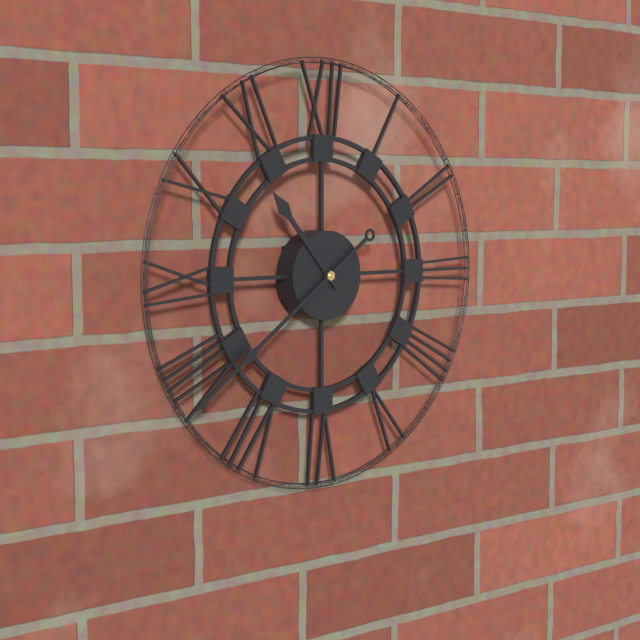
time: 10:39
